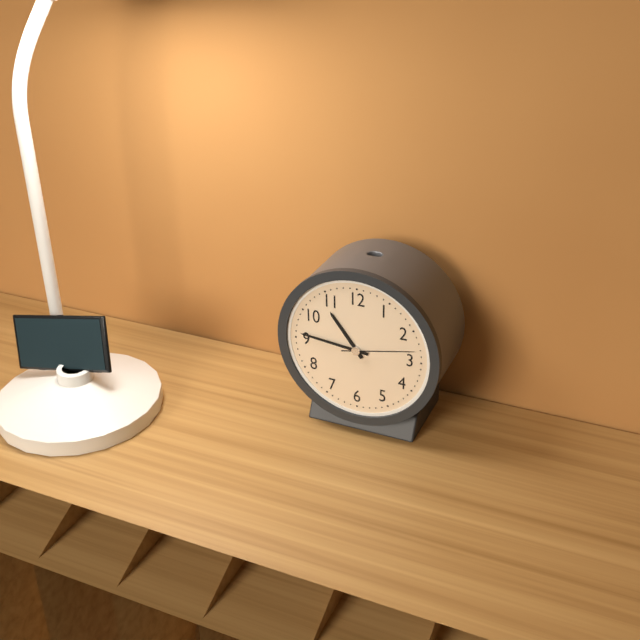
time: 10:46:13
